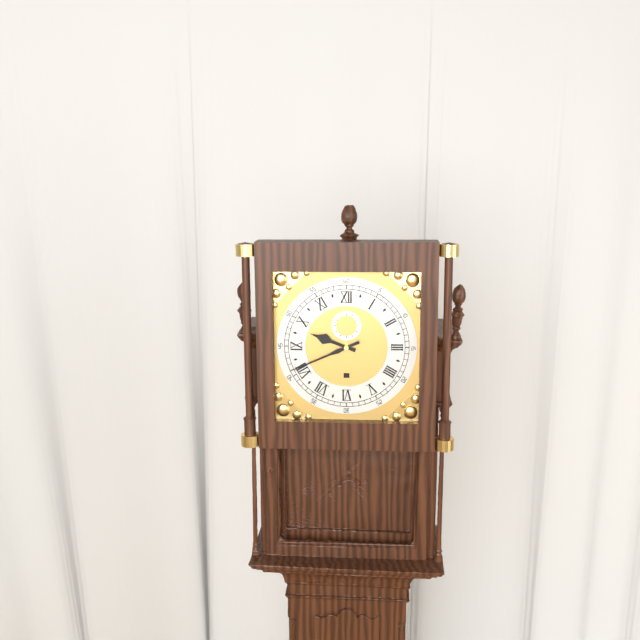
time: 9:41
